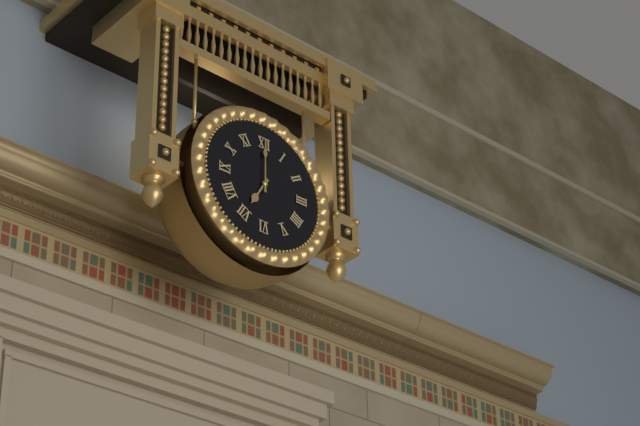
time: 7:00
